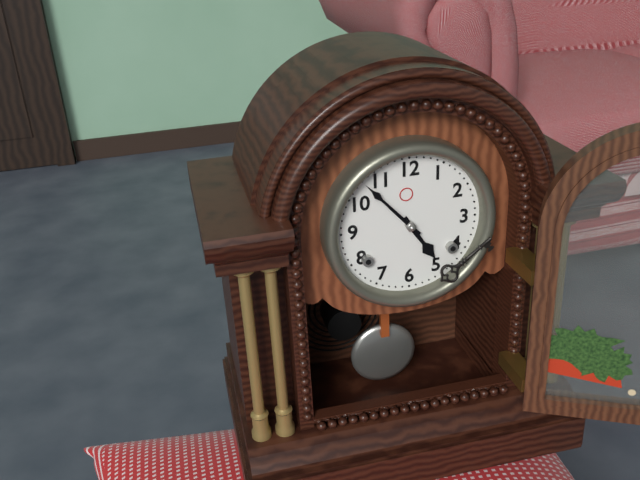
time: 4:53
